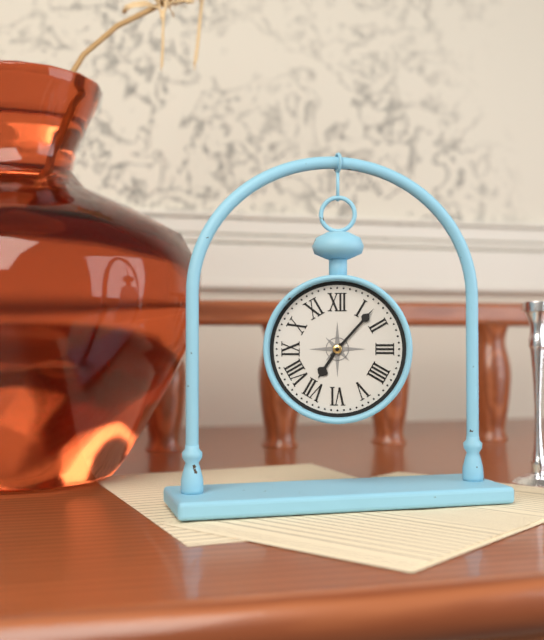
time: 7:07
